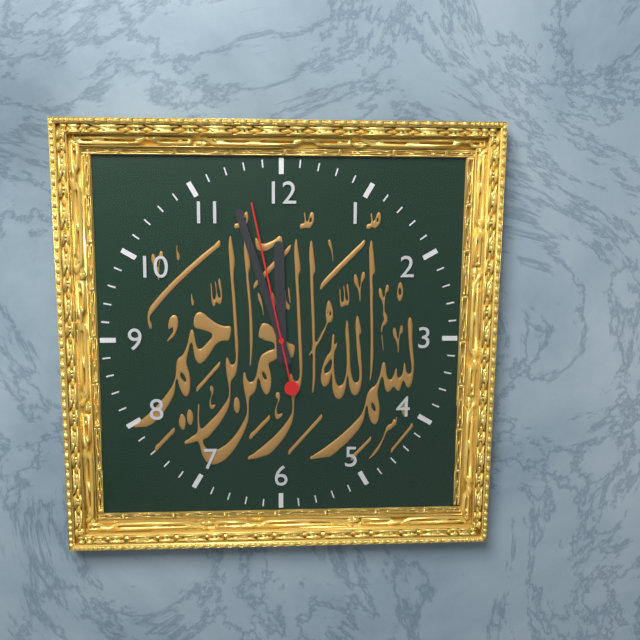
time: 11:57:58
